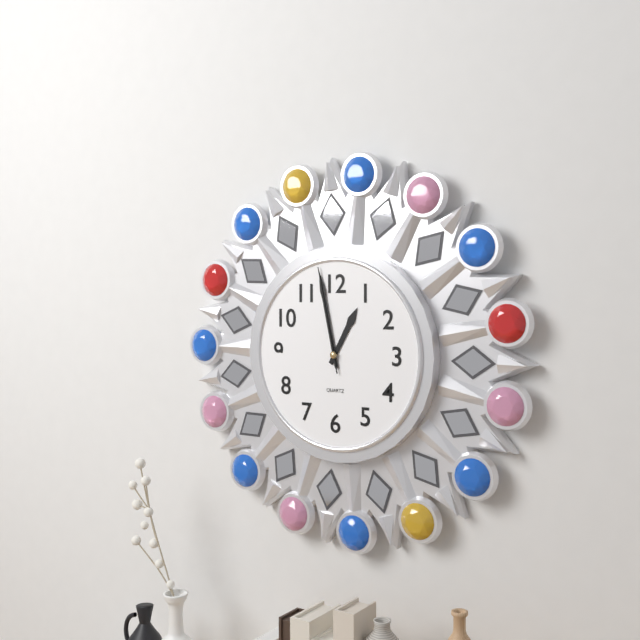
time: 12:58:58
